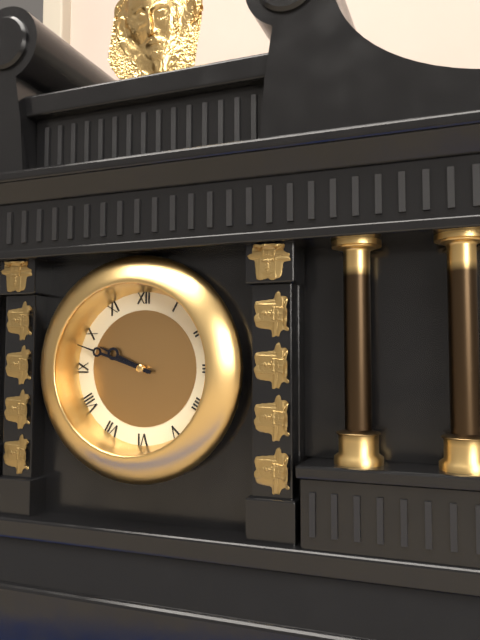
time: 9:48
